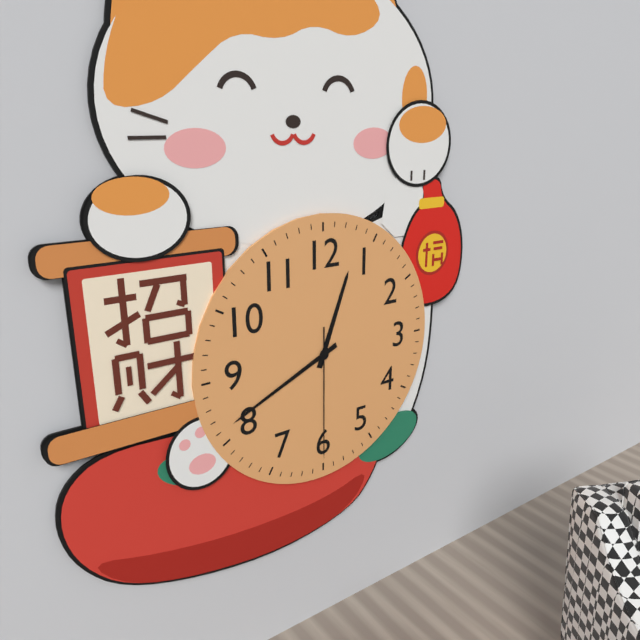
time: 12:41:30
